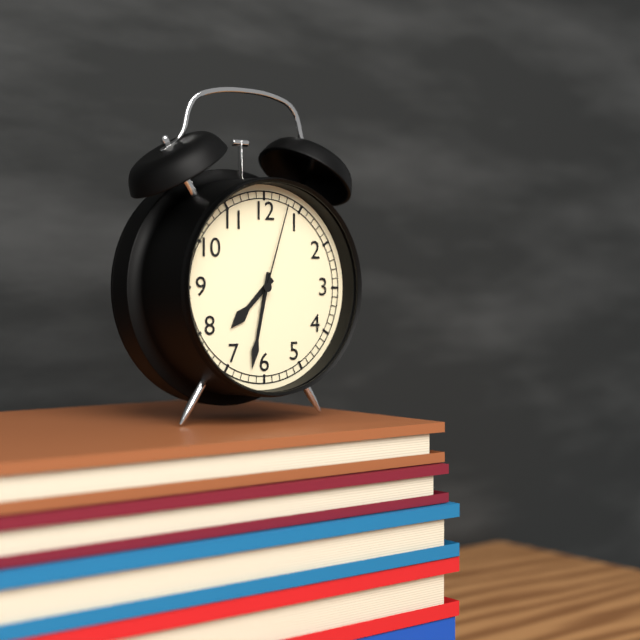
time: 7:32:03
